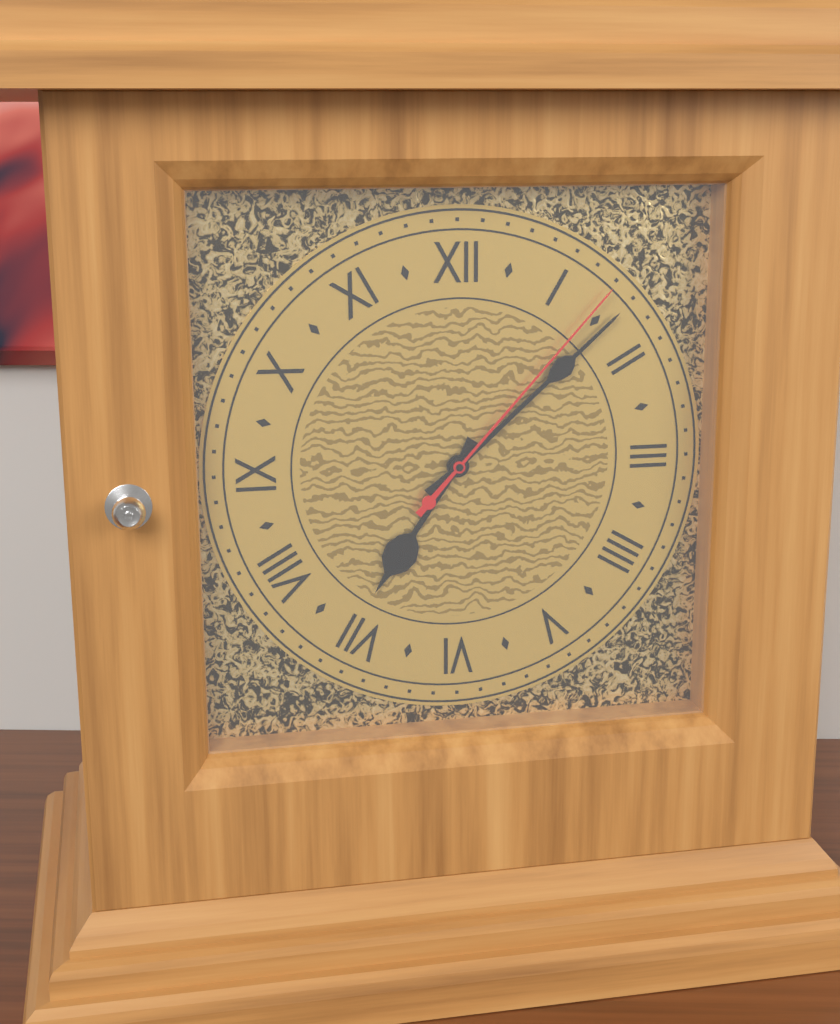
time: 7:08:07
